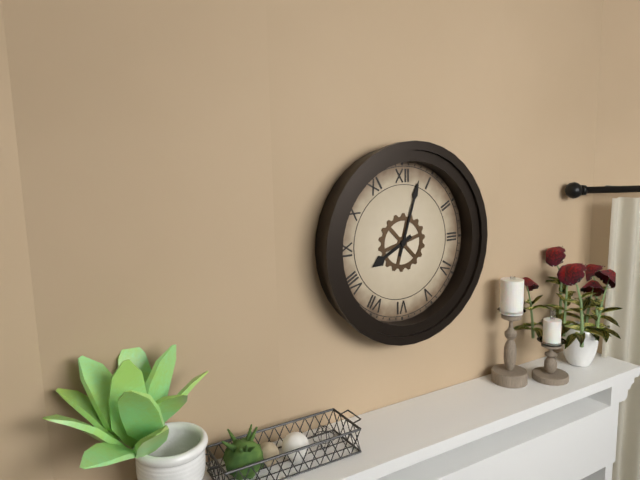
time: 8:03
